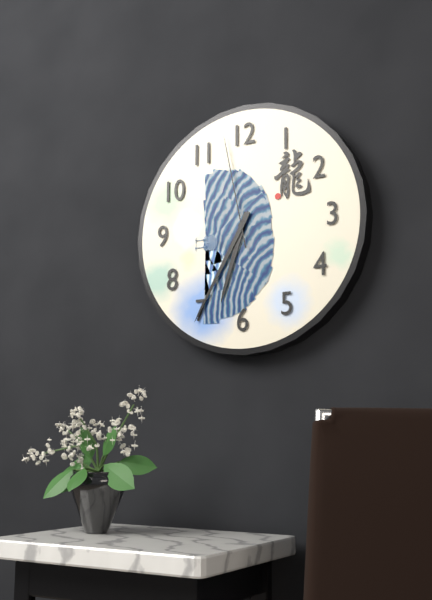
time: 6:35:58
